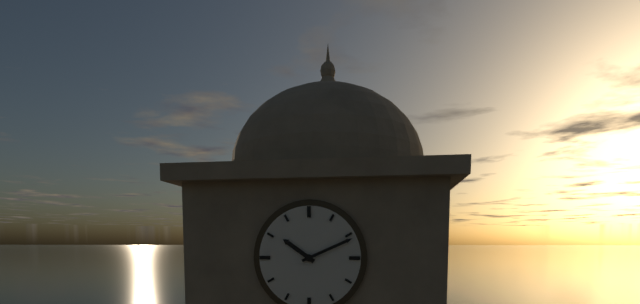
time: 10:11
